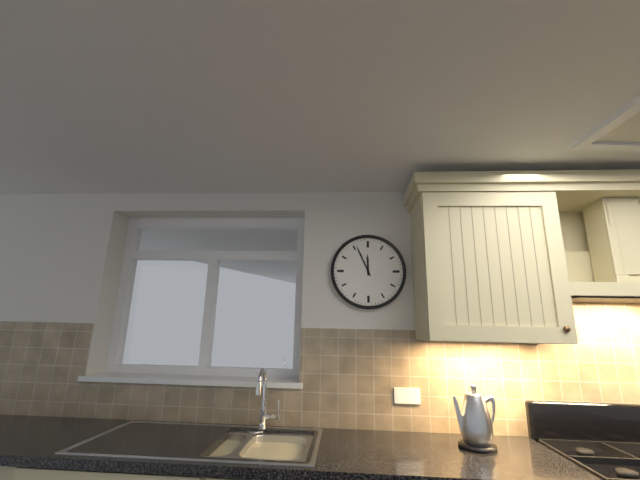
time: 11:56
